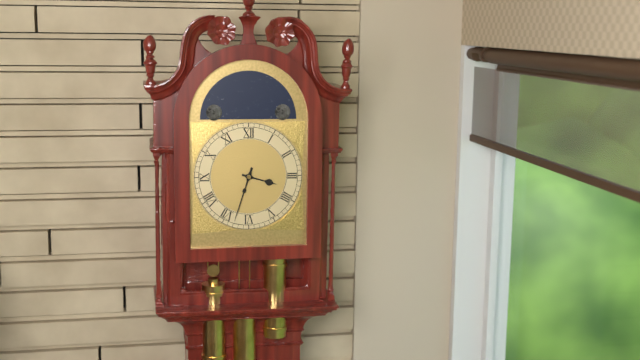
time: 3:33
